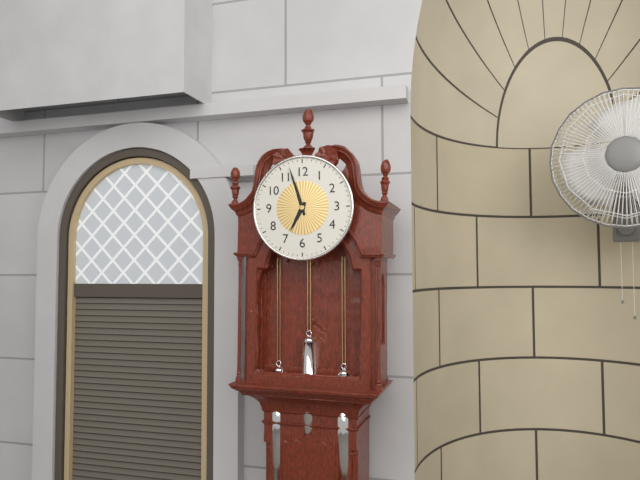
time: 6:57
